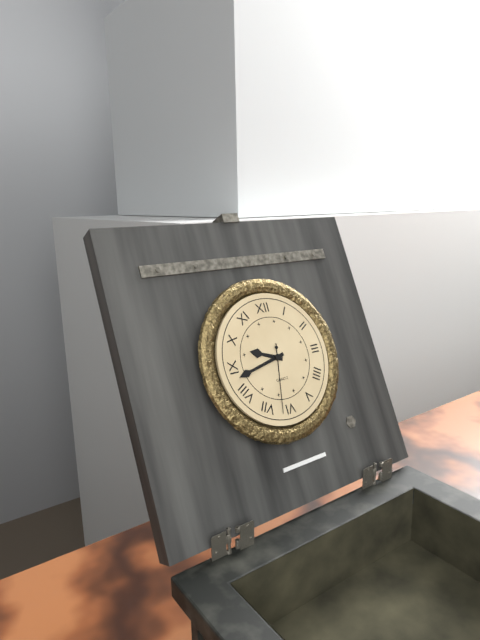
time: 9:43:32
